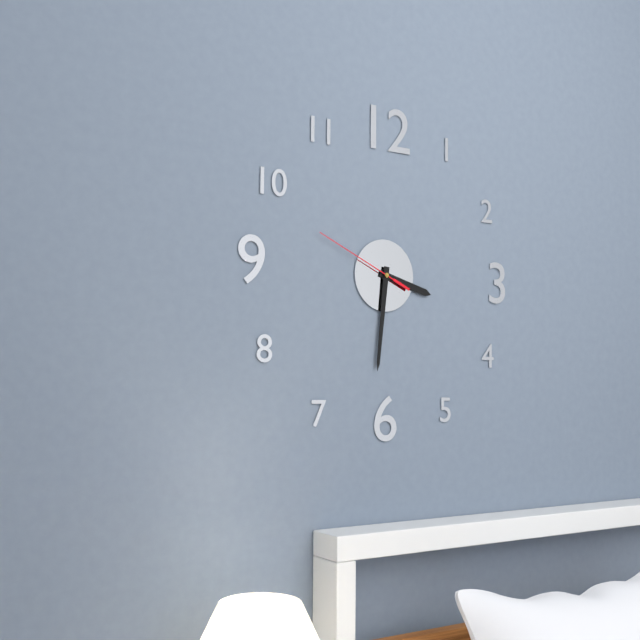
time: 3:31:49
